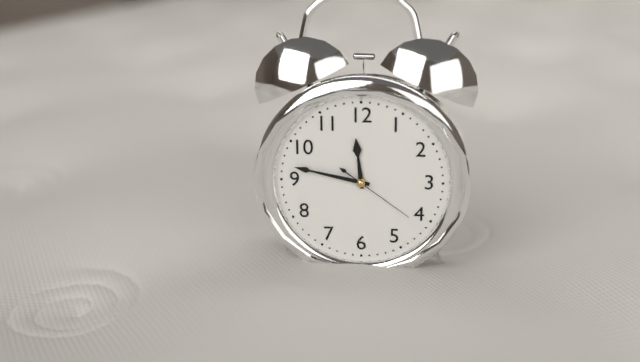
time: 11:47:21
